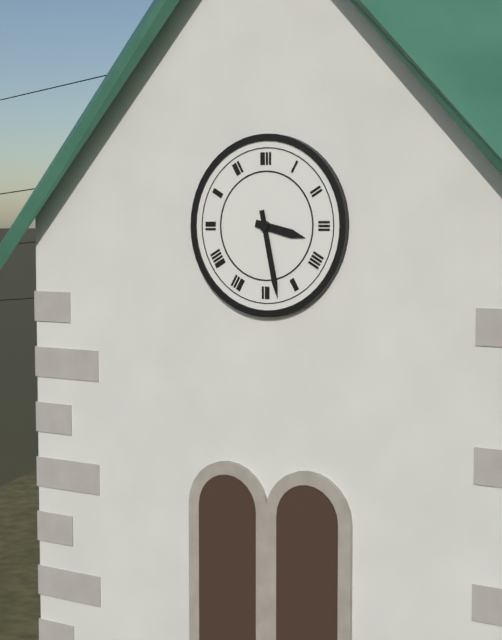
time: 3:28
